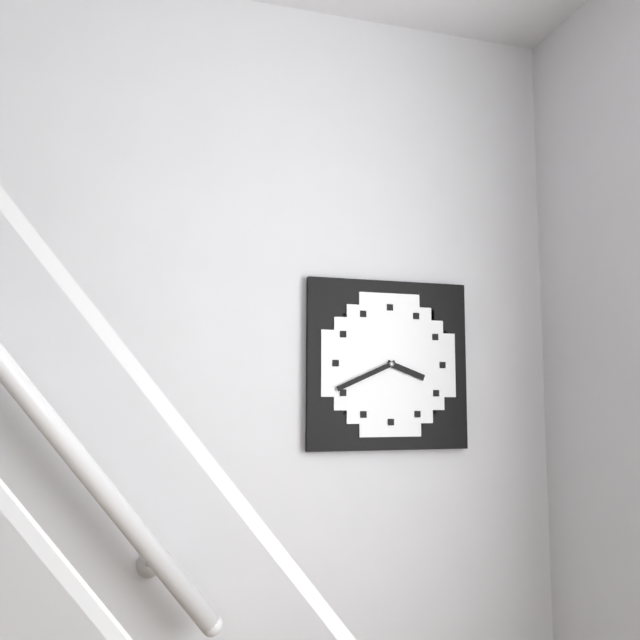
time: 3:41
